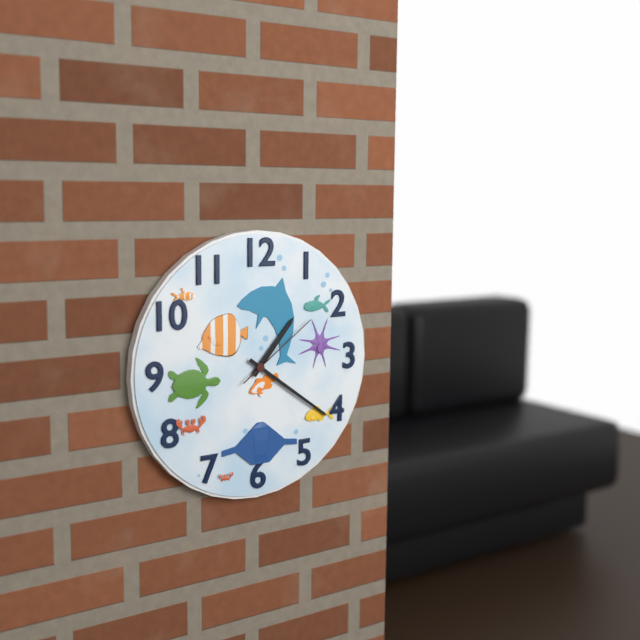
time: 1:21:09
